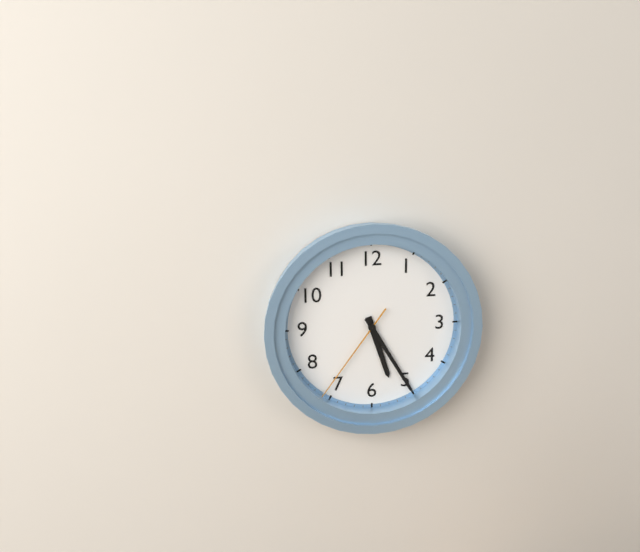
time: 5:25:36
